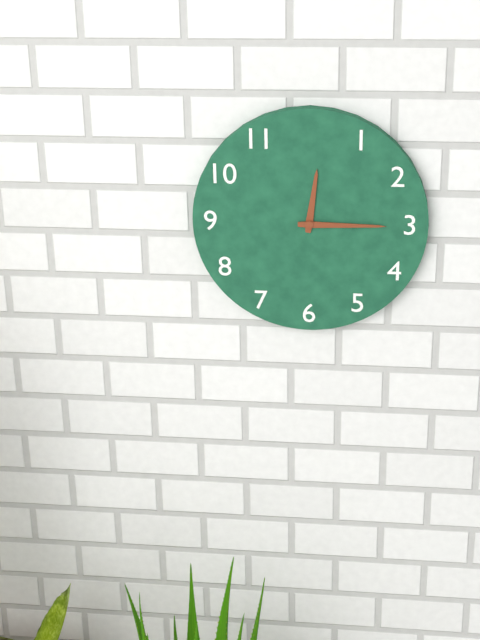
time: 12:15
